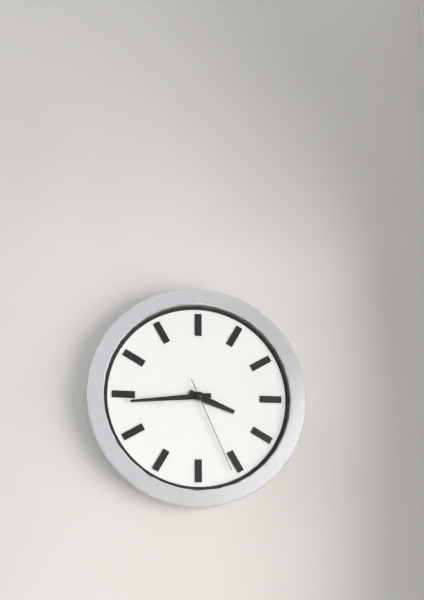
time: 3:44:26
